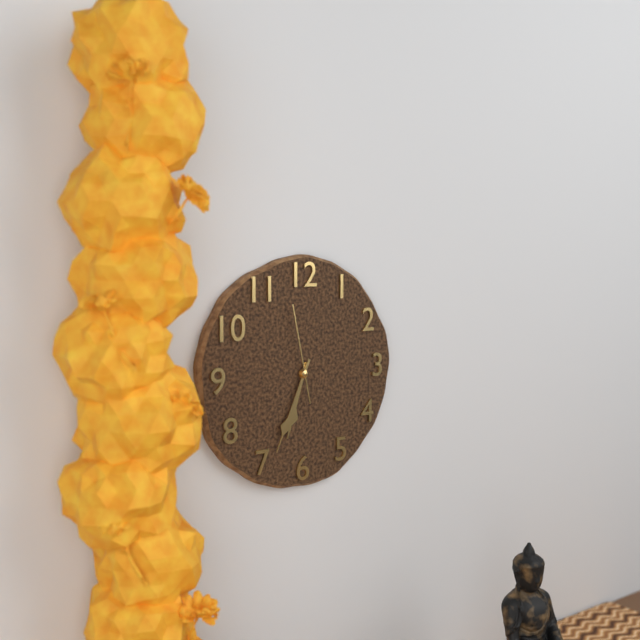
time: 6:34:58
